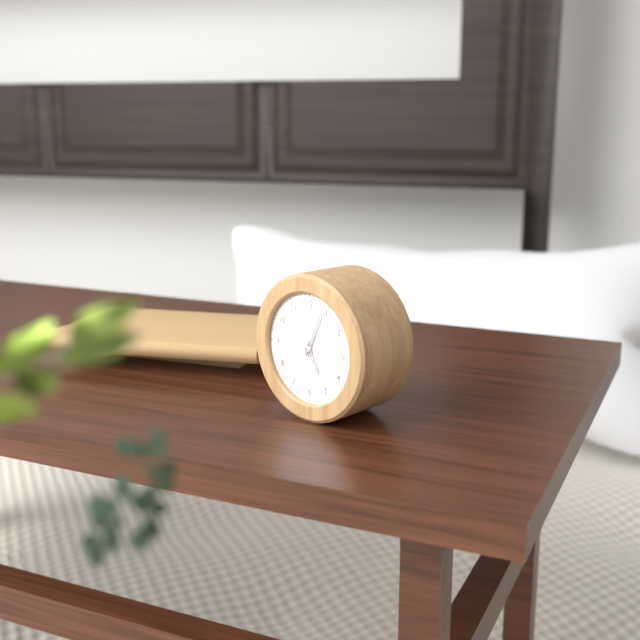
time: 5:04:32
